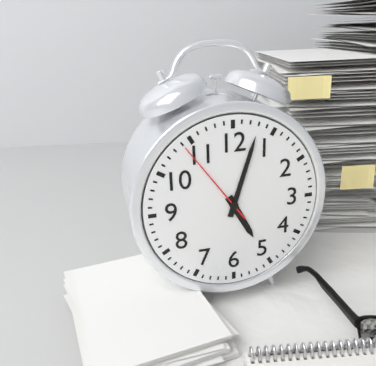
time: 5:03:54
